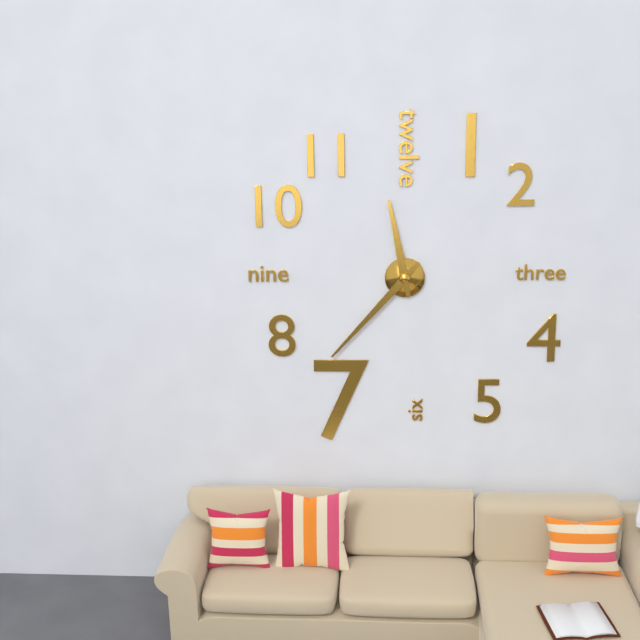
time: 11:37
